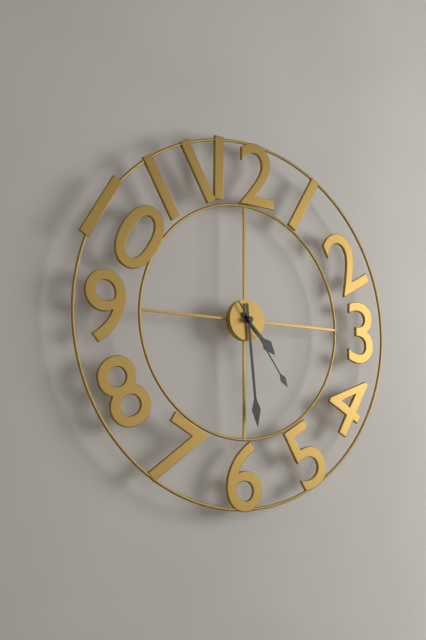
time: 4:29:24
